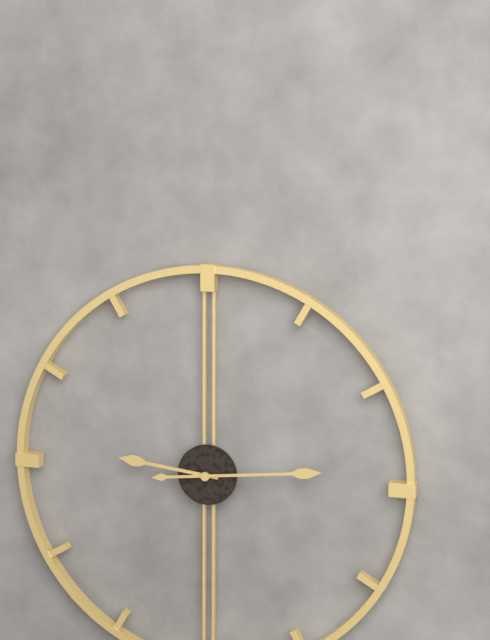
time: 9:14
